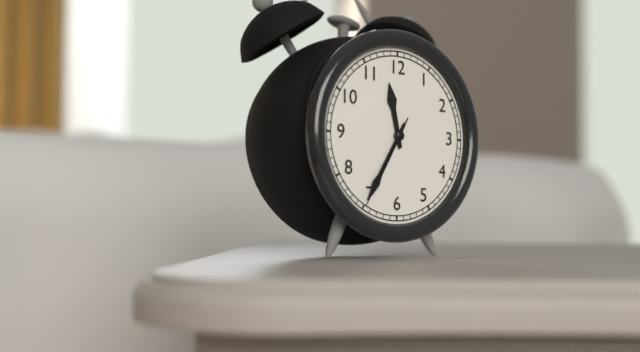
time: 11:35:35
